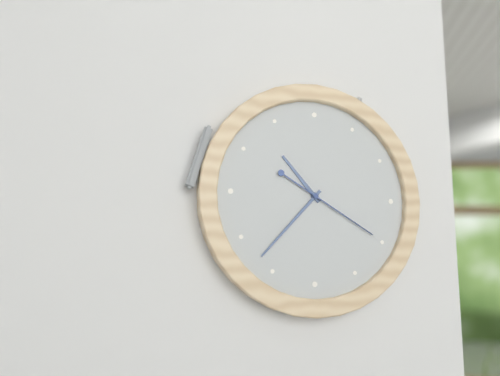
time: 10:37:20
